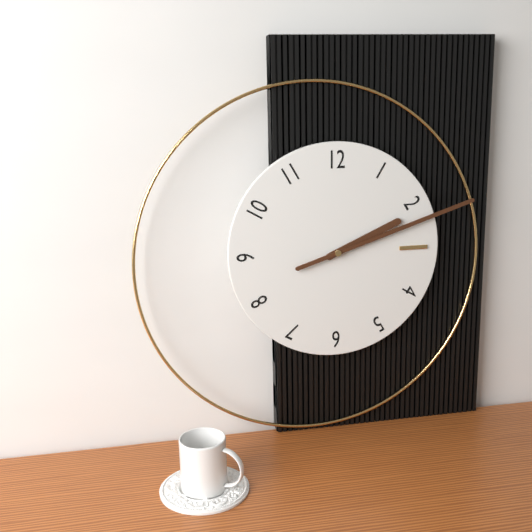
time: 2:12
